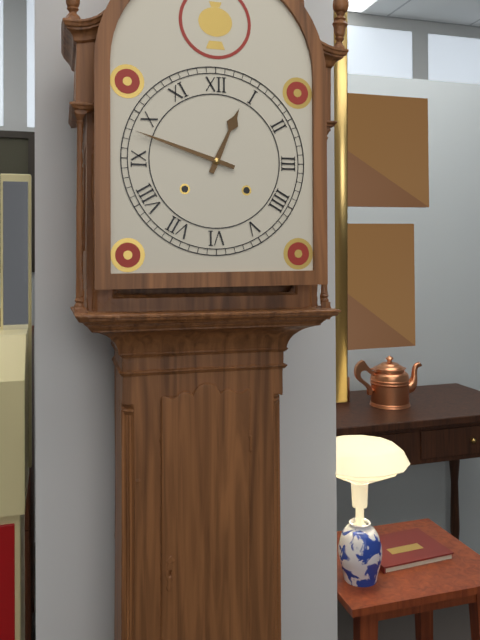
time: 12:48
